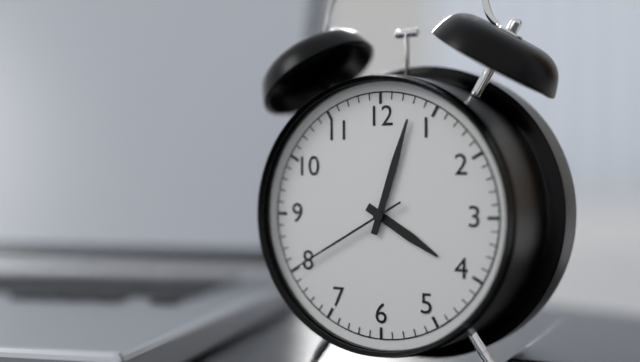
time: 4:03:40
